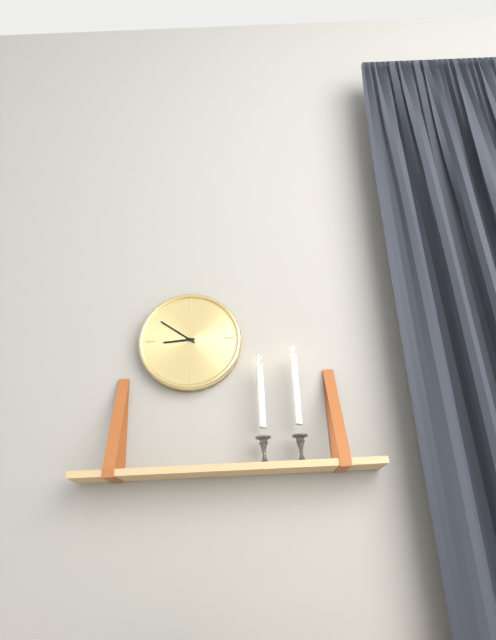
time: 8:51
